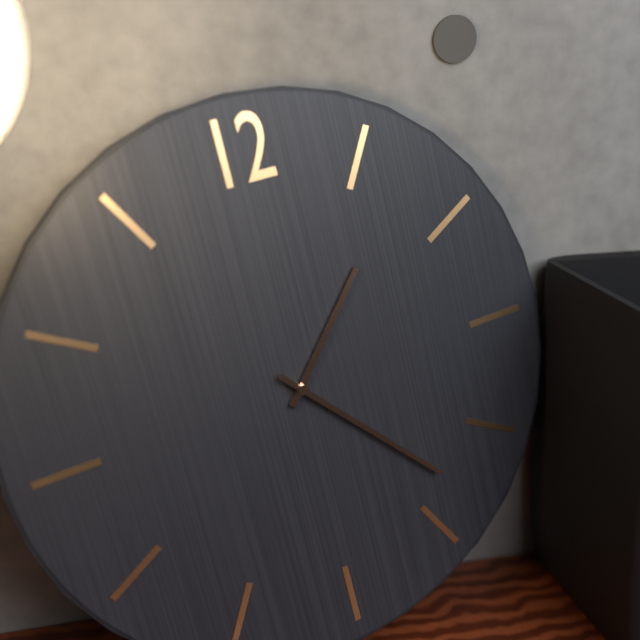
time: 1:23
